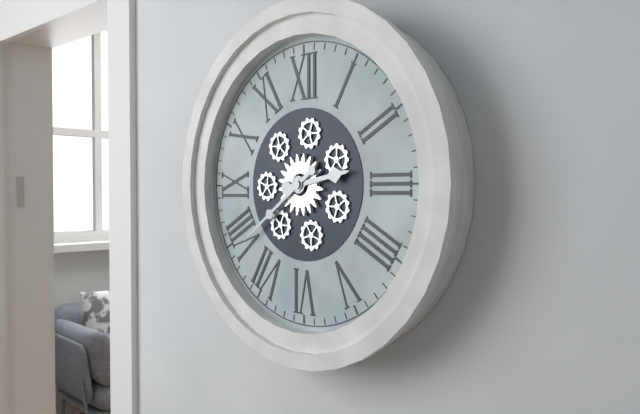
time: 2:39
